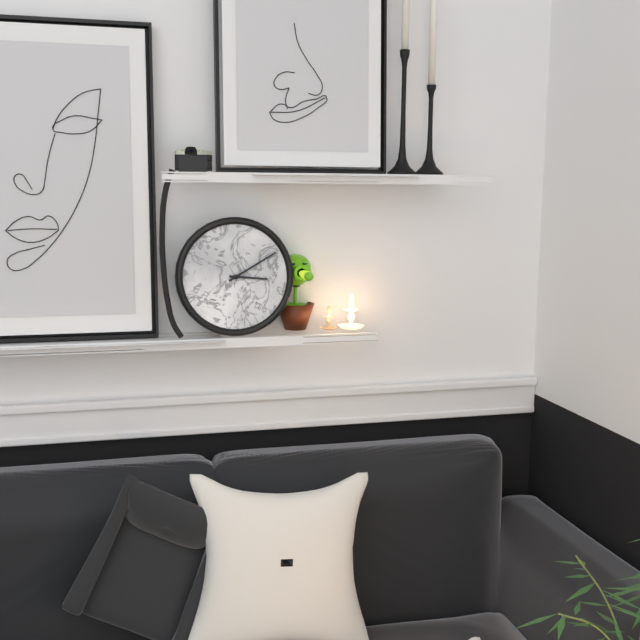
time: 3:10
